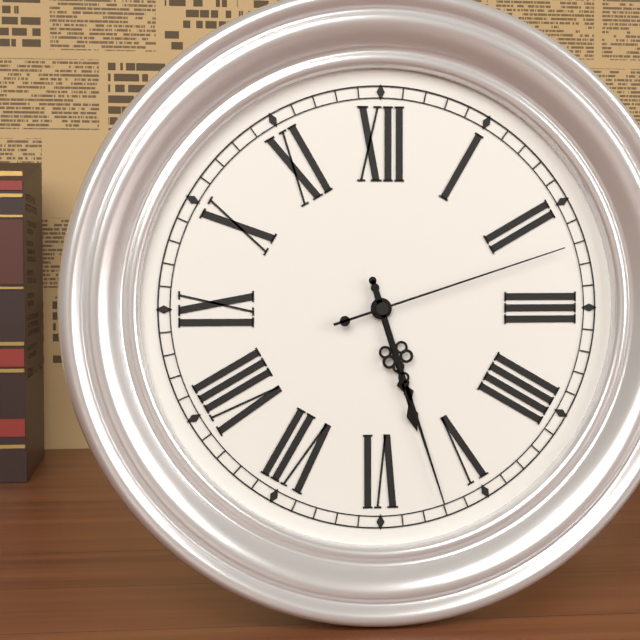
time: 5:27:12
